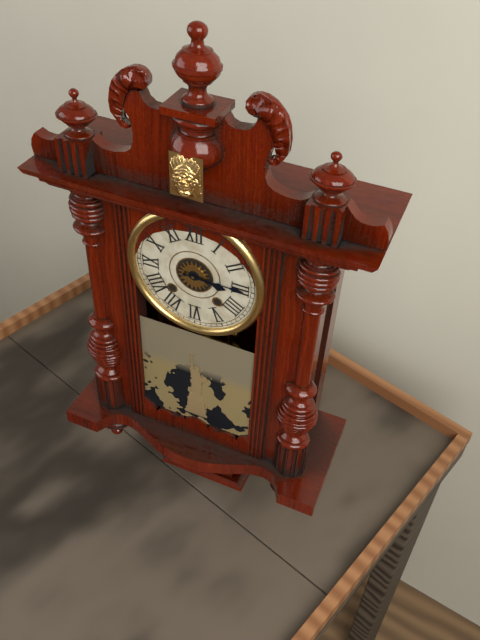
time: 3:15
